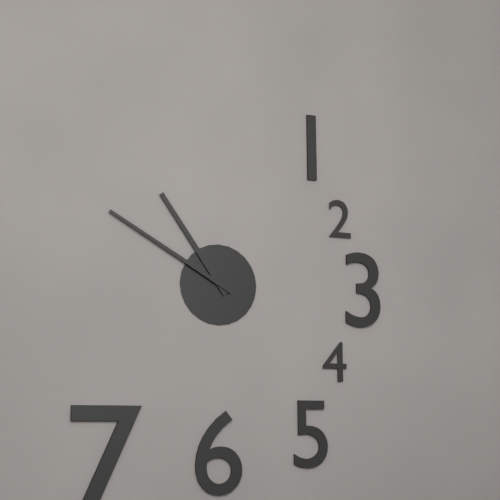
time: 10:50
